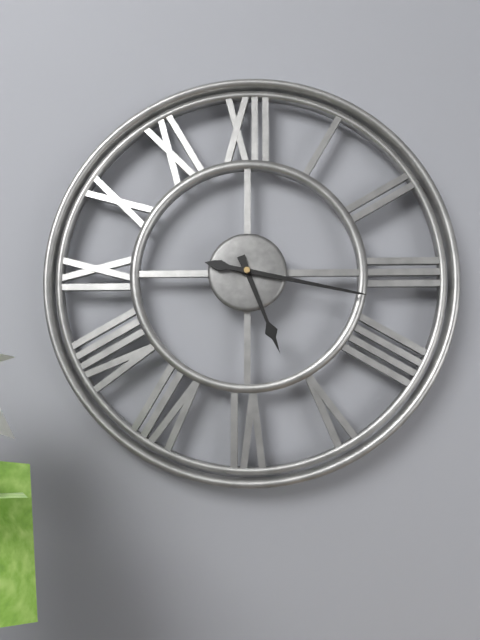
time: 5:17
